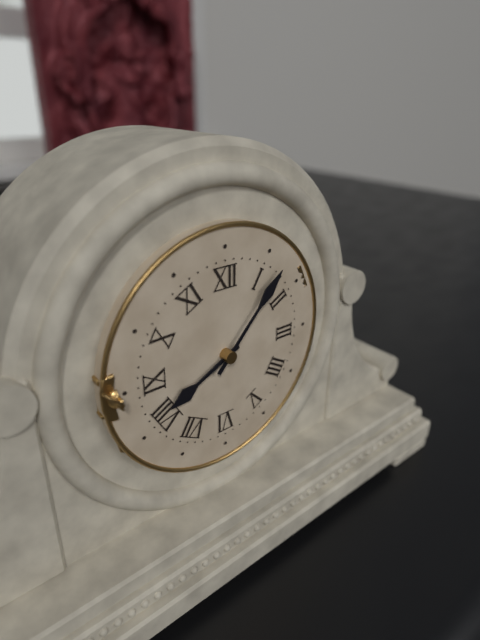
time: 8:07
